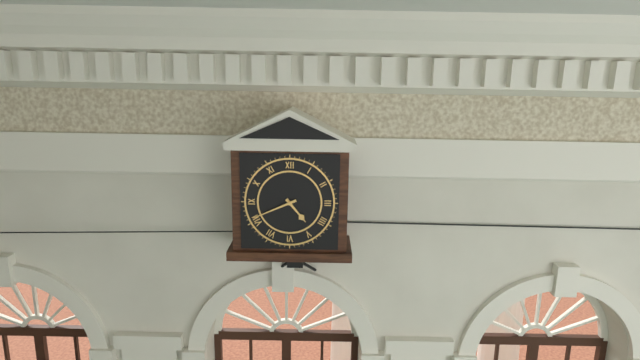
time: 4:41
